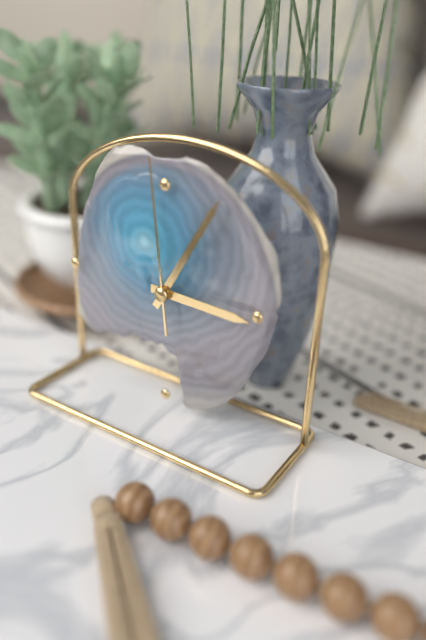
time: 3:05:59
